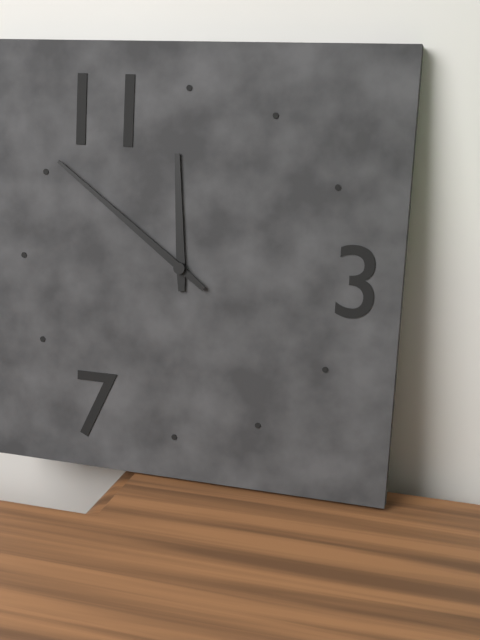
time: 11:51
